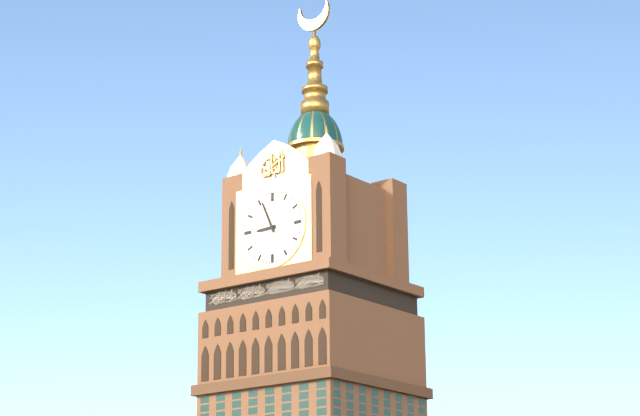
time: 8:56
